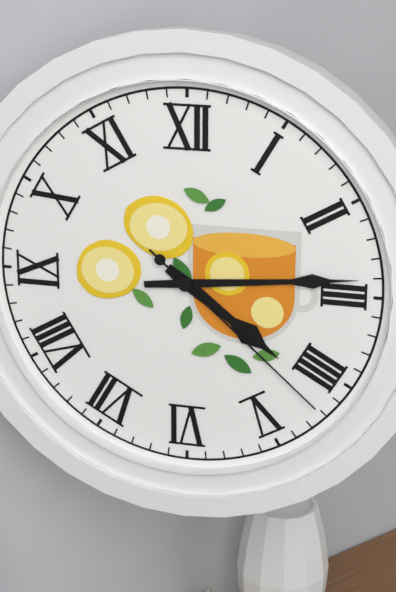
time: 4:14:22
